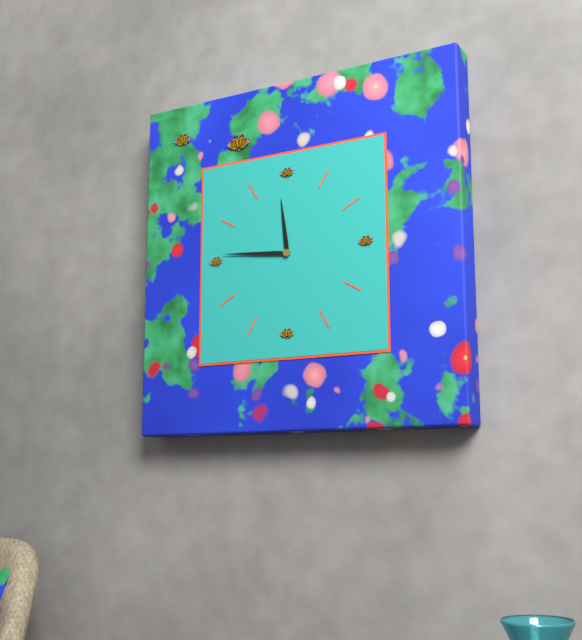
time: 11:46
